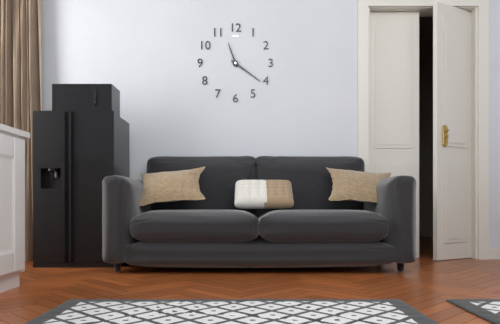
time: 11:21
